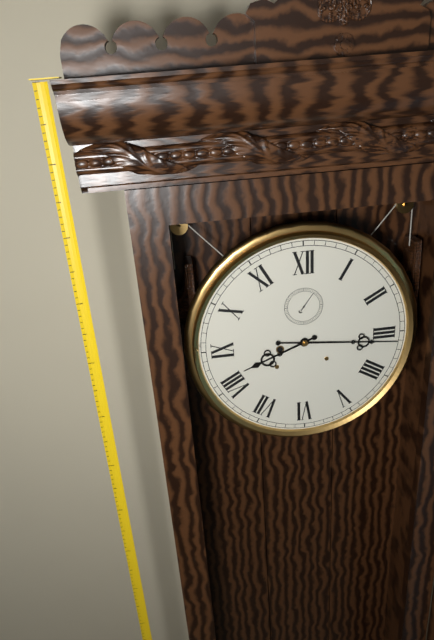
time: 8:16
